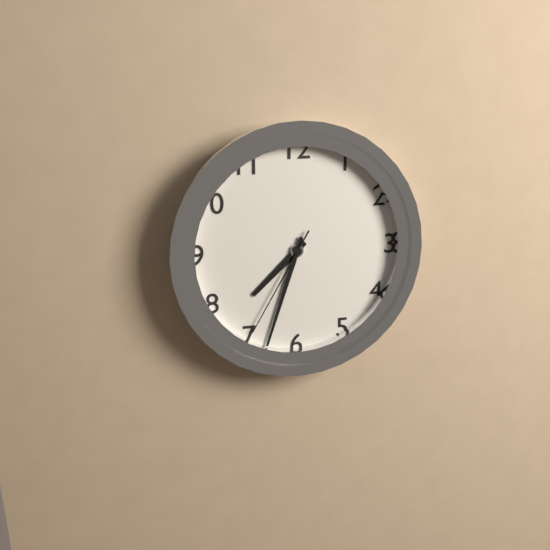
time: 7:33:35
